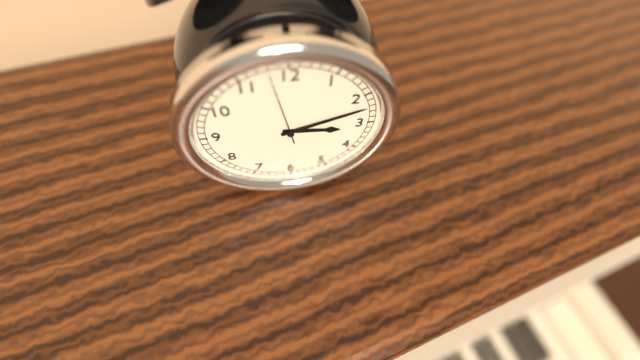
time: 3:12:58
